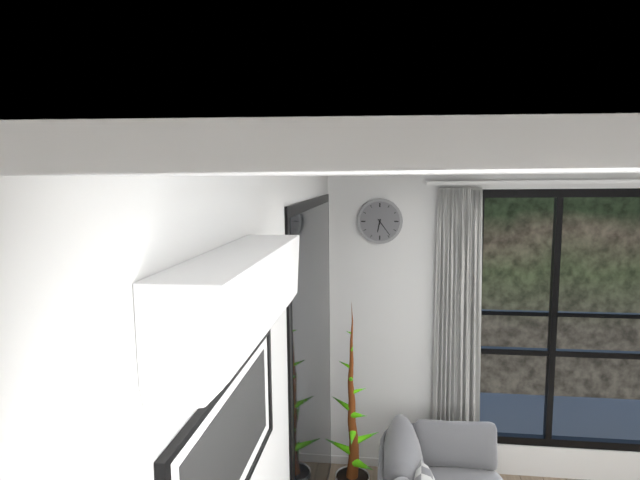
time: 6:24
